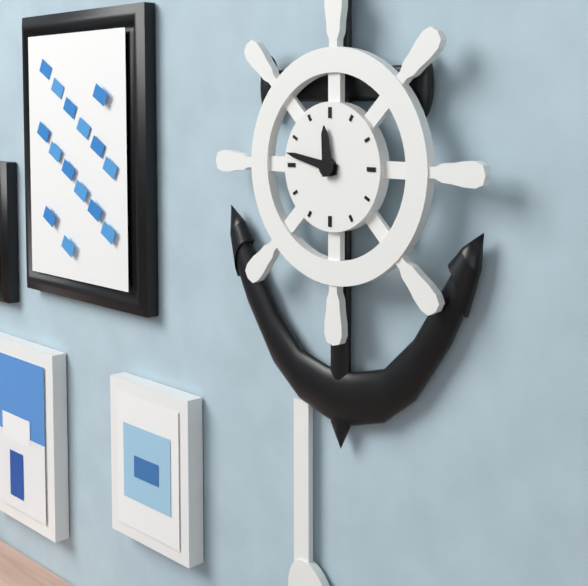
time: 11:47
